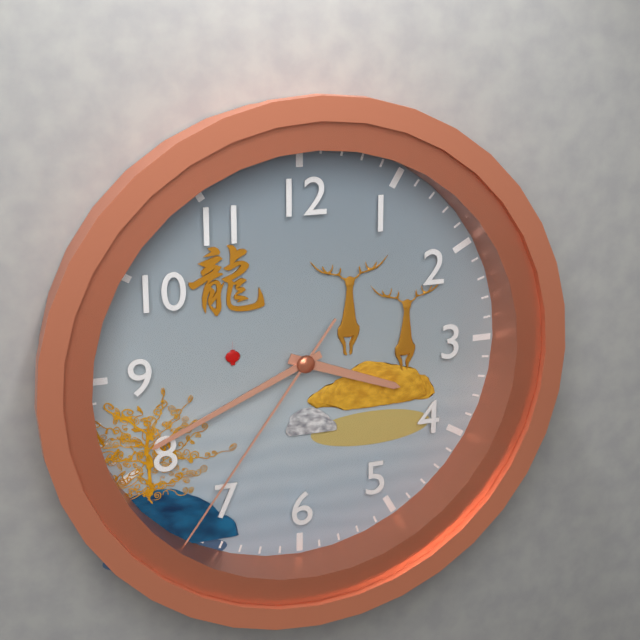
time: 3:41:36
